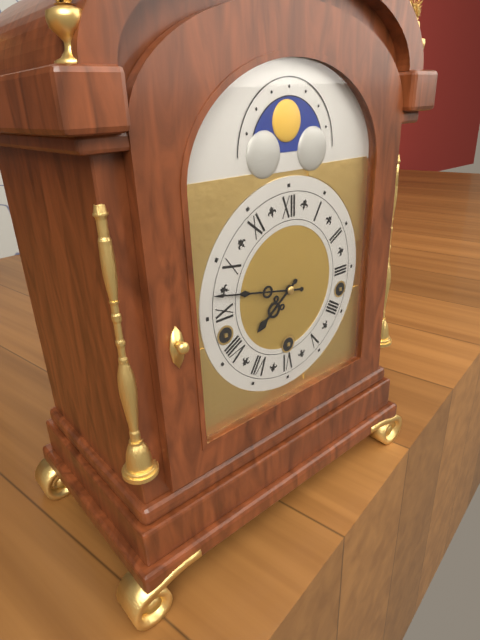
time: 7:47
